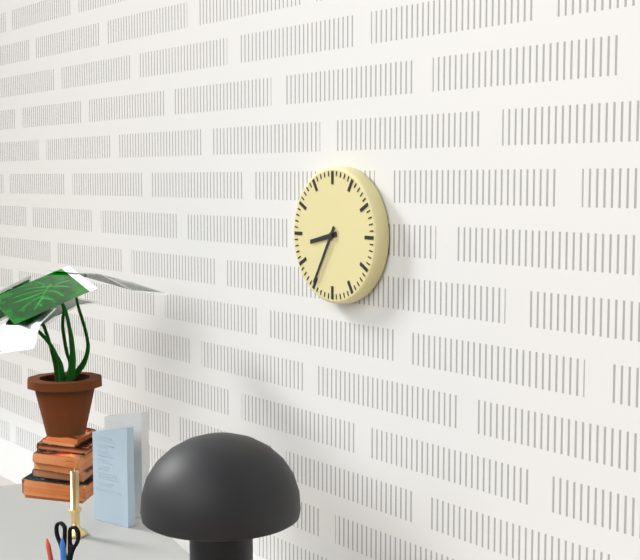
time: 8:35
